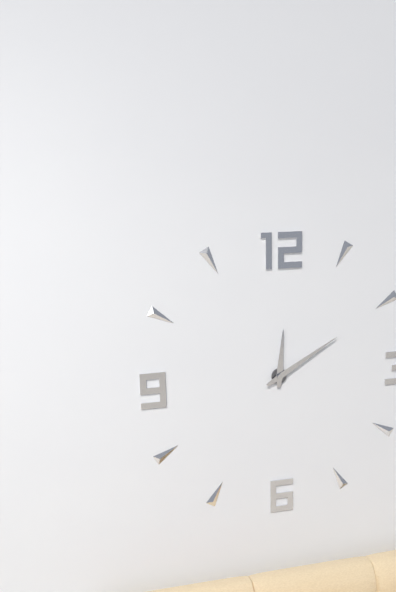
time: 12:10
